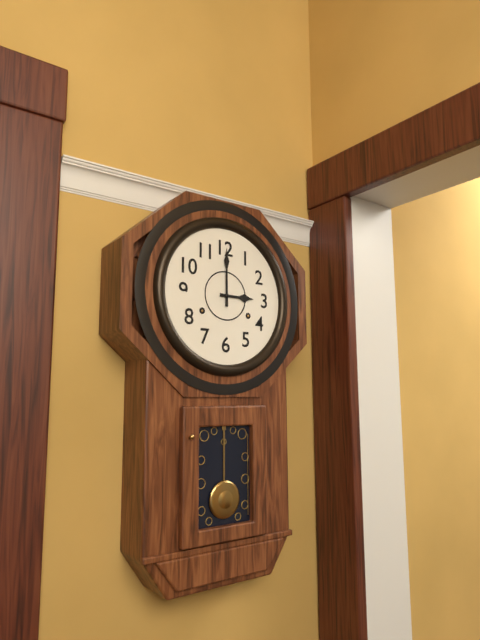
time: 3:00
